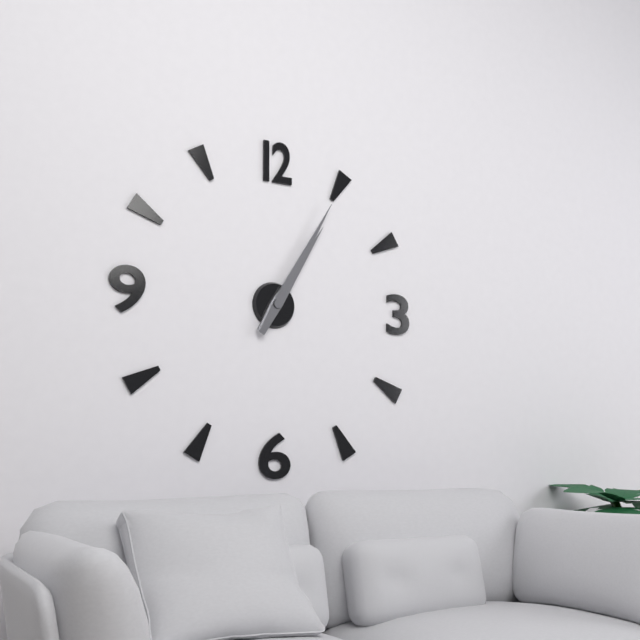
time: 1:05
